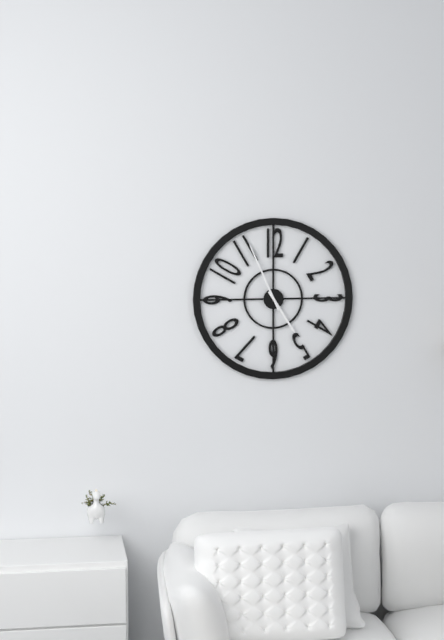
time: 4:56
